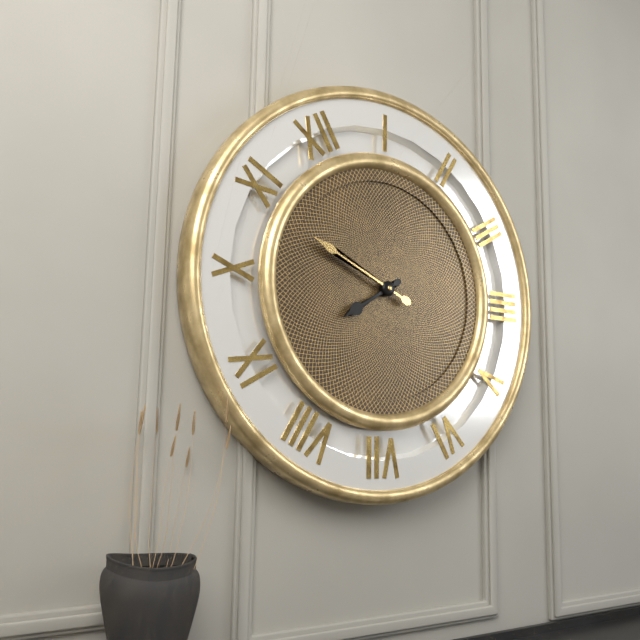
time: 8:54
